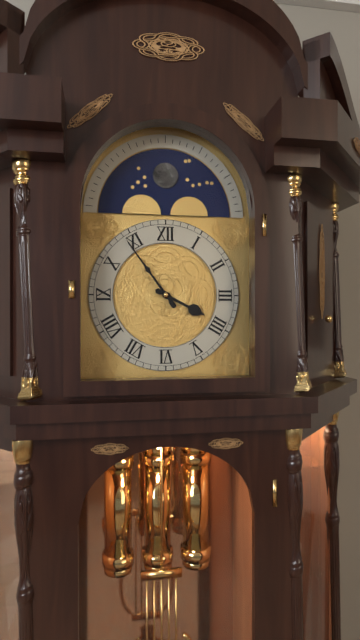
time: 3:54
